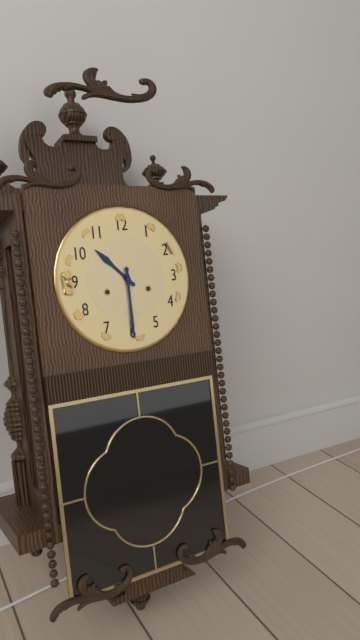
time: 10:30
